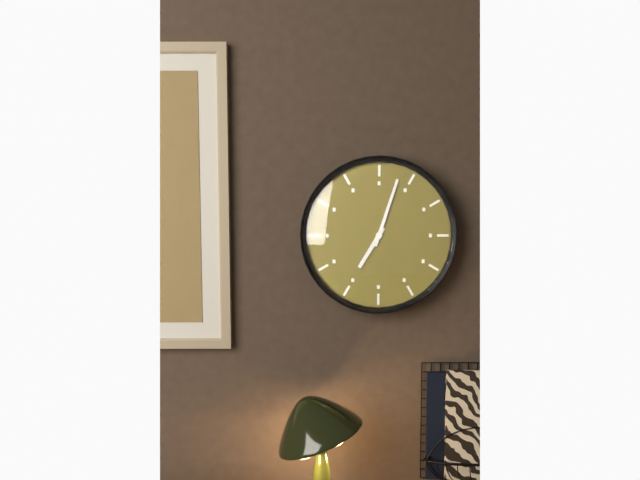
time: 7:03
